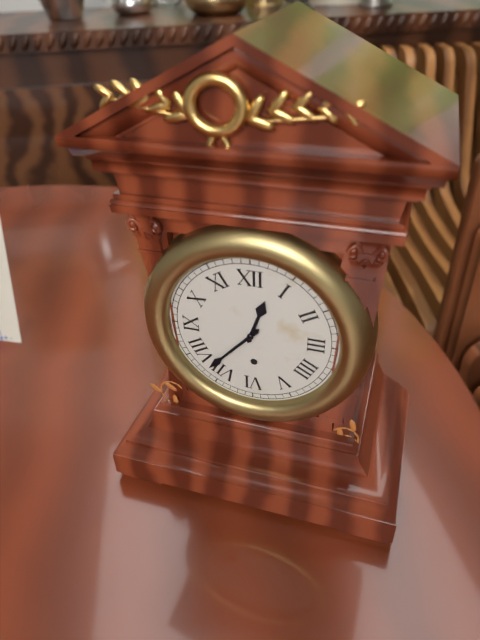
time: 12:37
